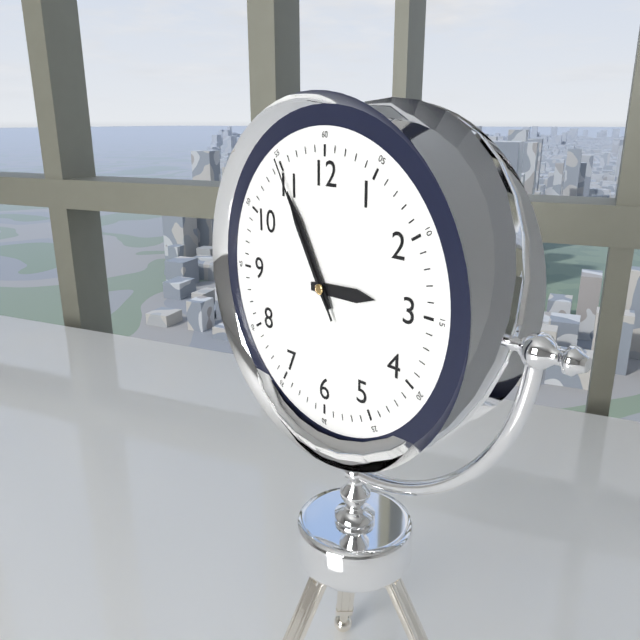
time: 2:55:55
